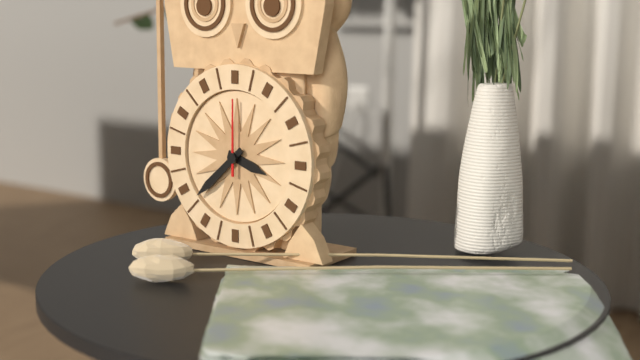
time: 3:38:00
